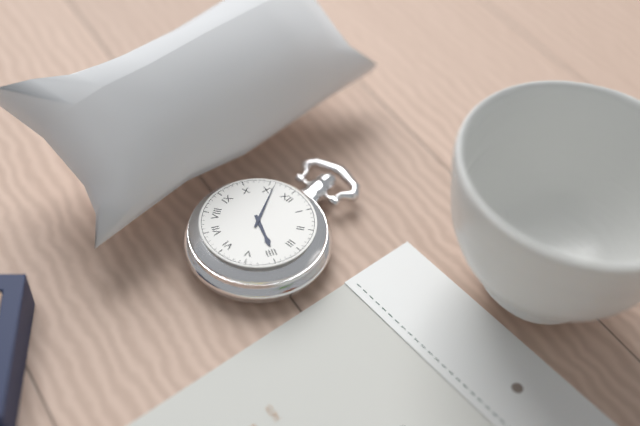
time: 3:56
